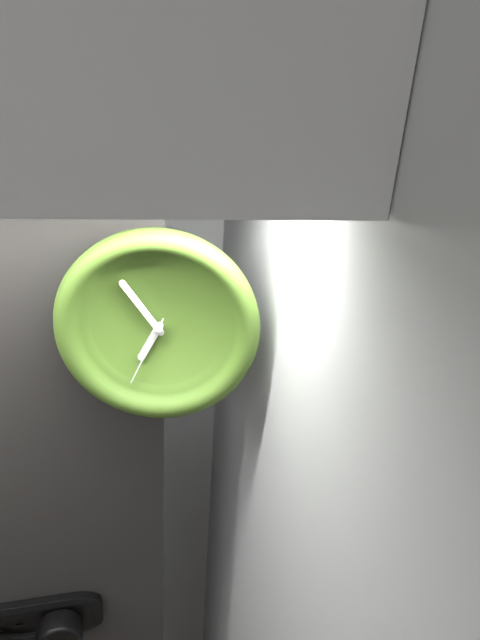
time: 6:54:34
